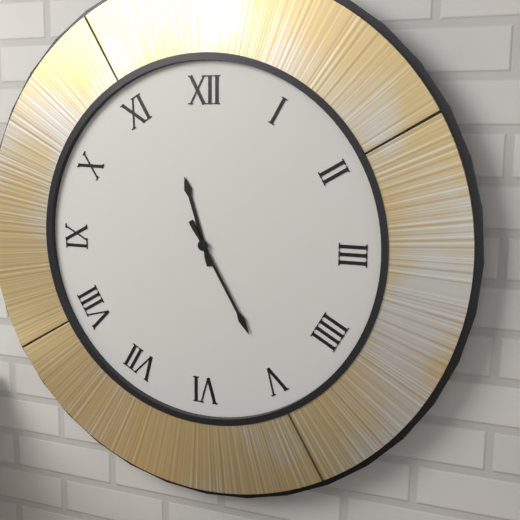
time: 11:25
